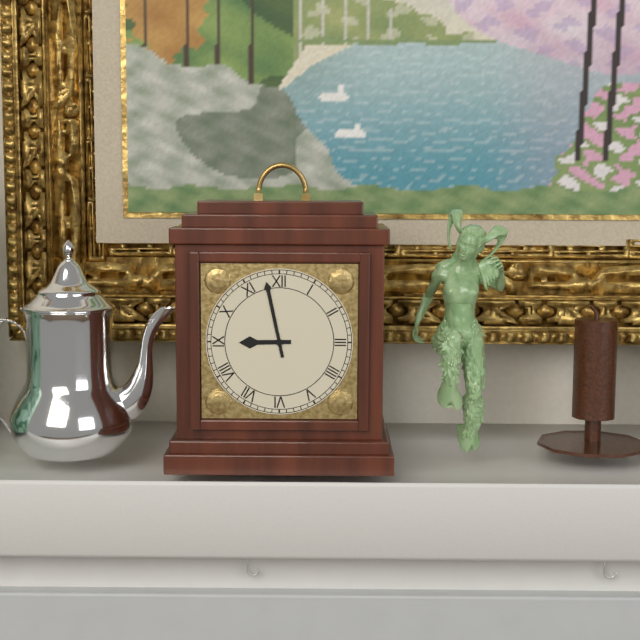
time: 8:58
